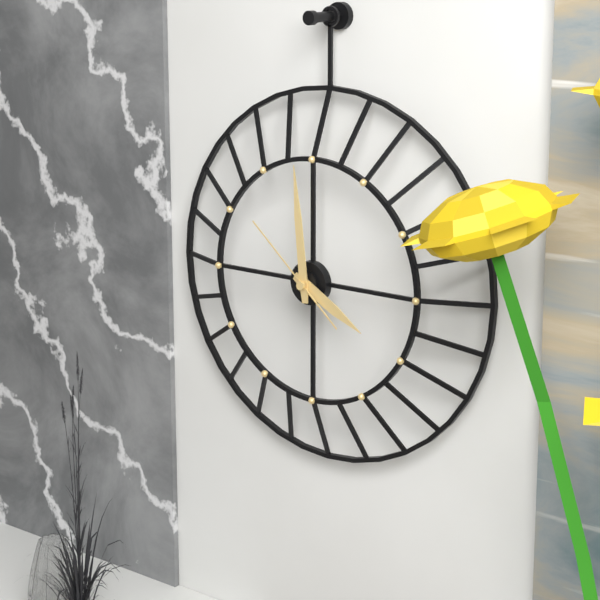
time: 3:59:52
